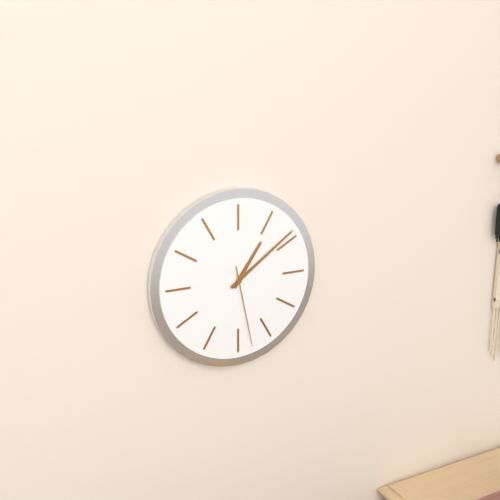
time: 1:09:28
